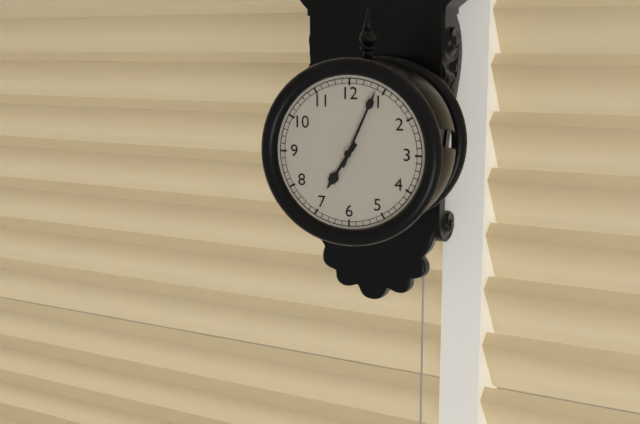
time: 7:04
